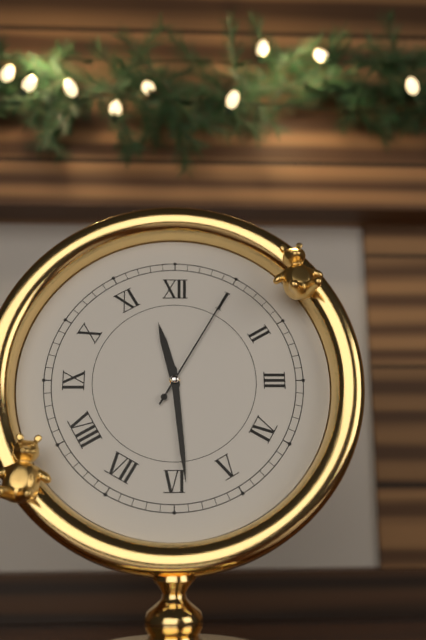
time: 11:29:05
